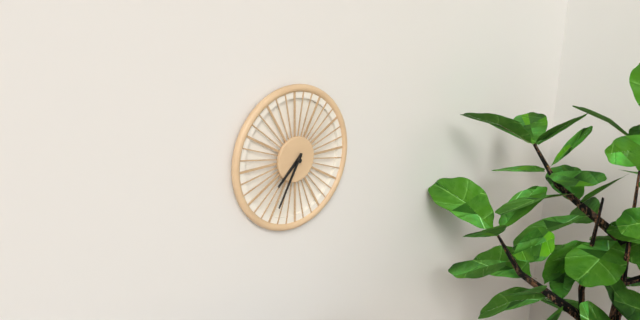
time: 7:35
